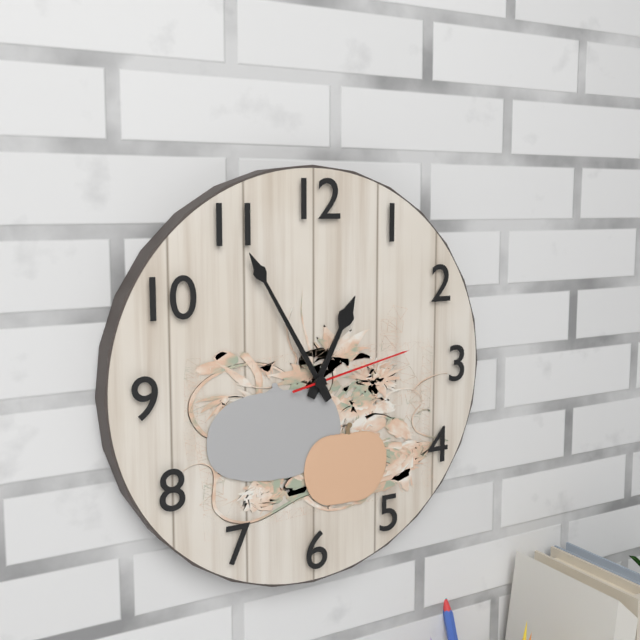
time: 12:55:13
